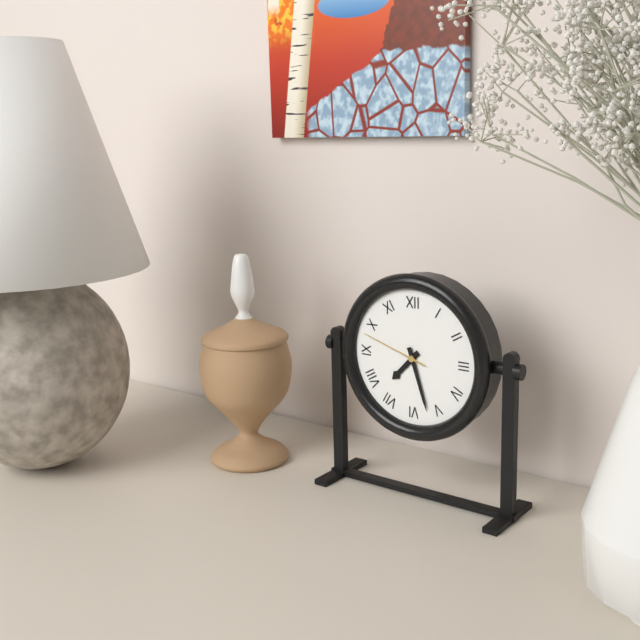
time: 7:27:48
